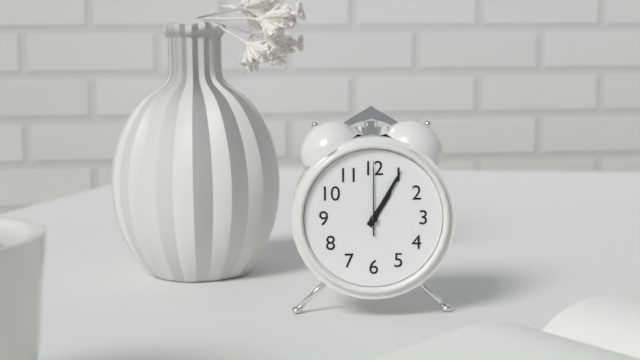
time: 1:05:00
